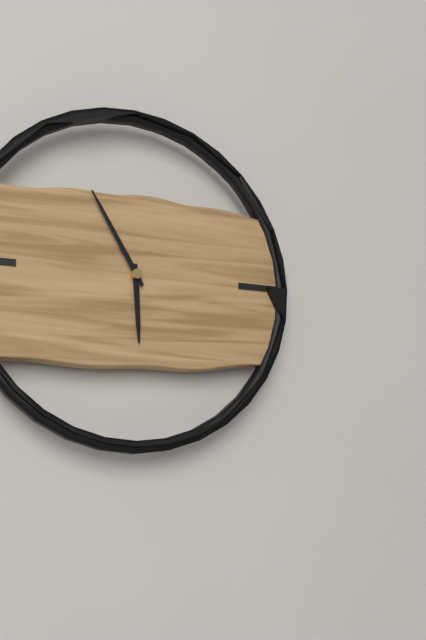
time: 5:55
